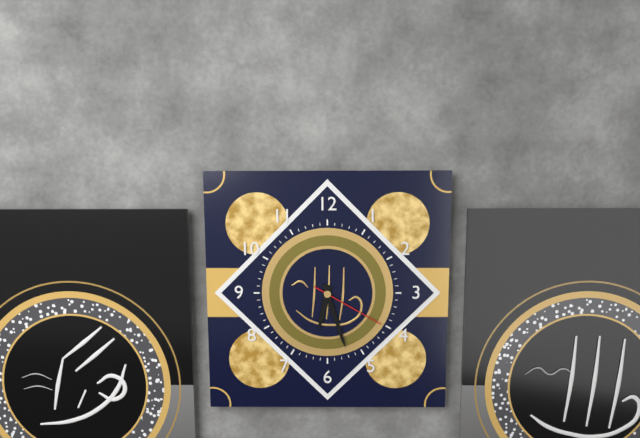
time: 6:27:20
